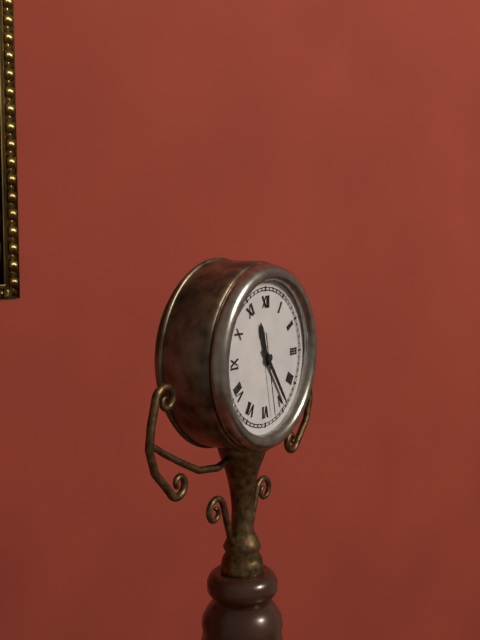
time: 11:24:28
